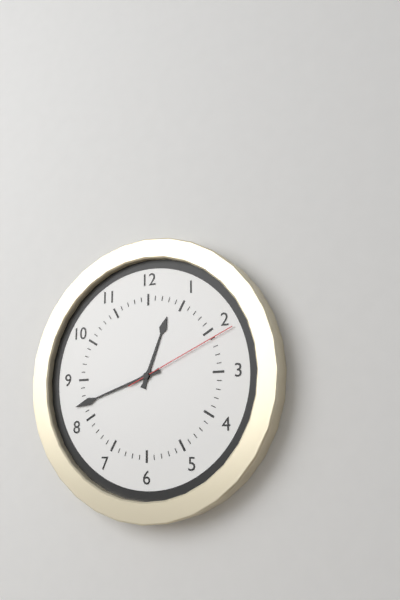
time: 12:42:11
